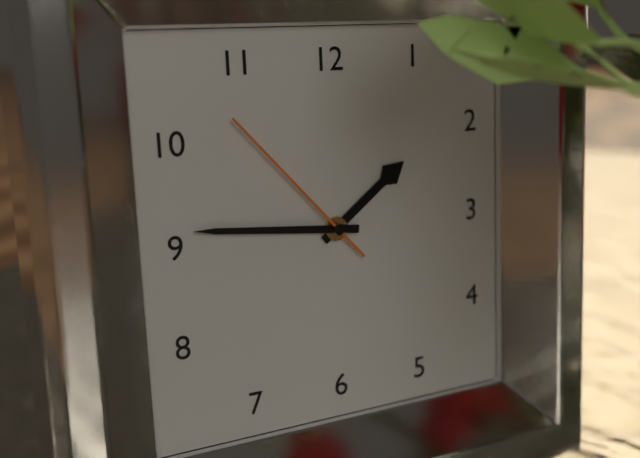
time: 1:46:53
